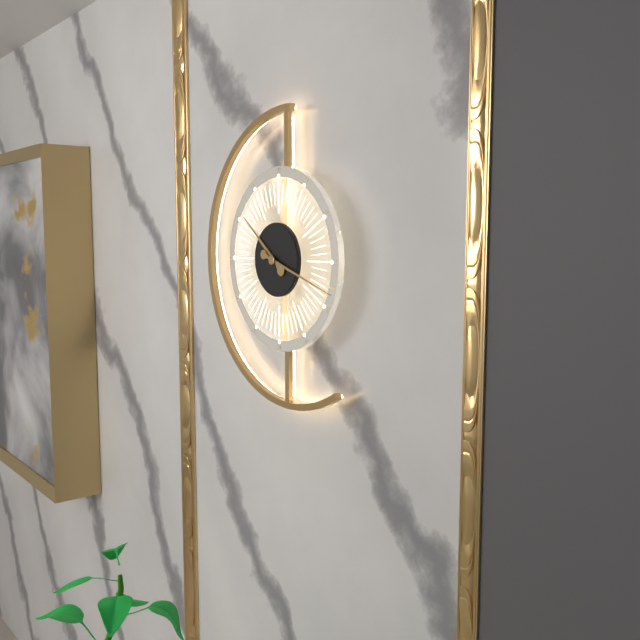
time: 10:18
